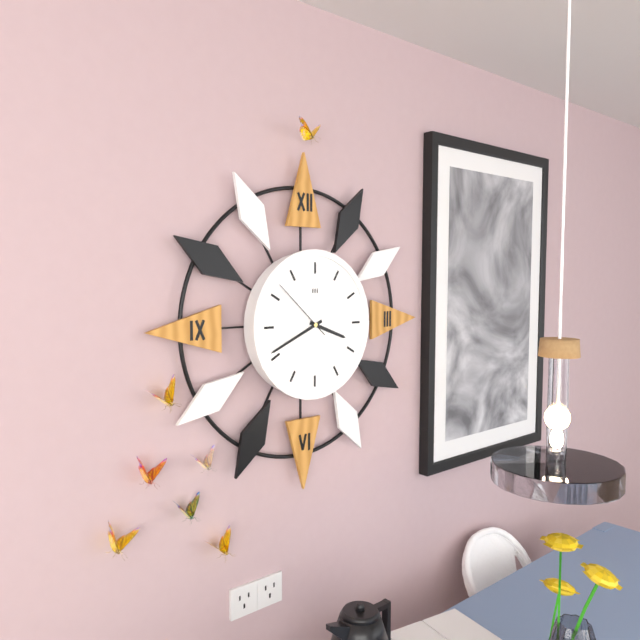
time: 3:41:52
